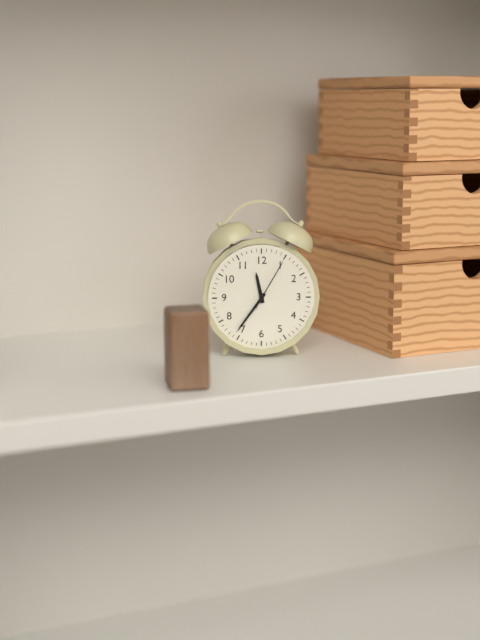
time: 11:36:05
